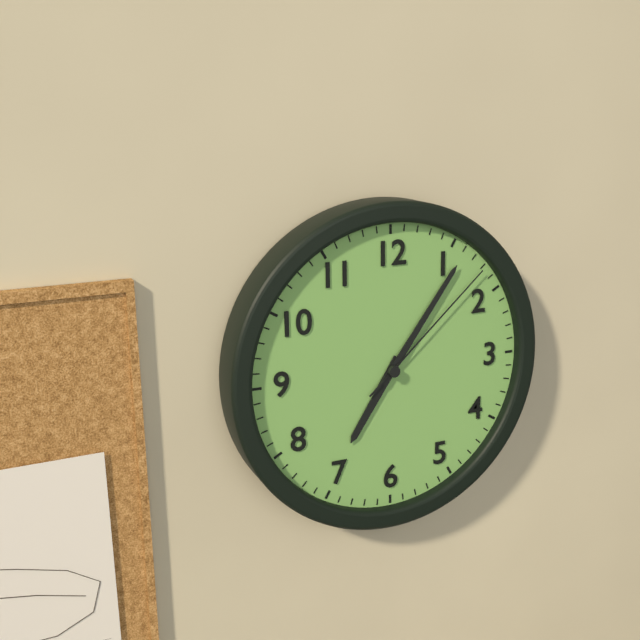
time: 7:06:08
